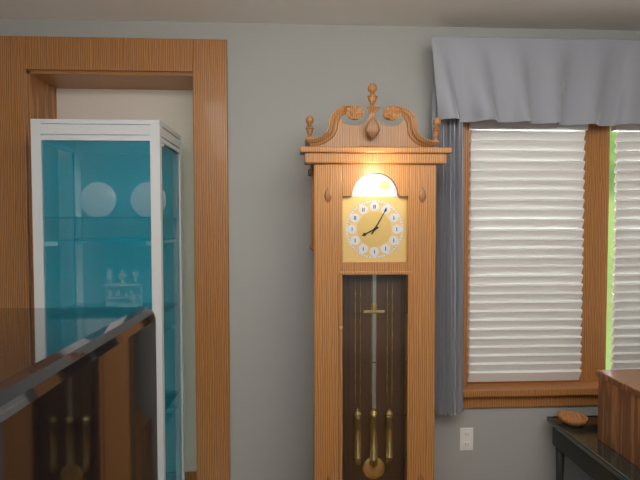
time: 8:05
